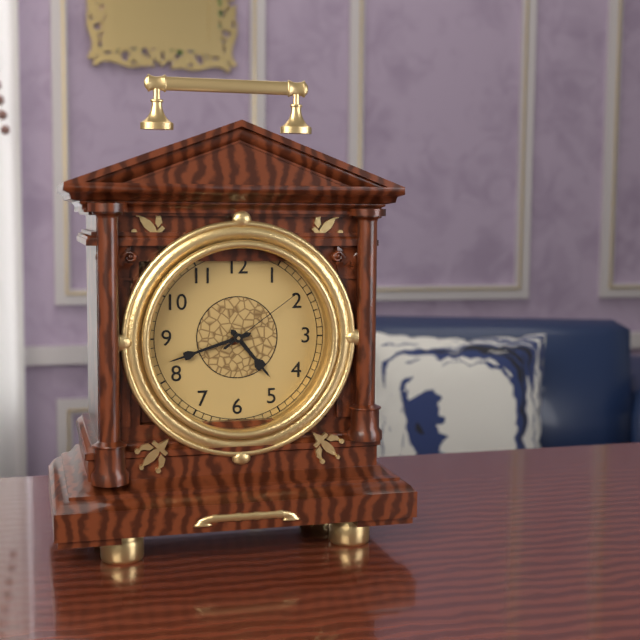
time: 4:42:09
